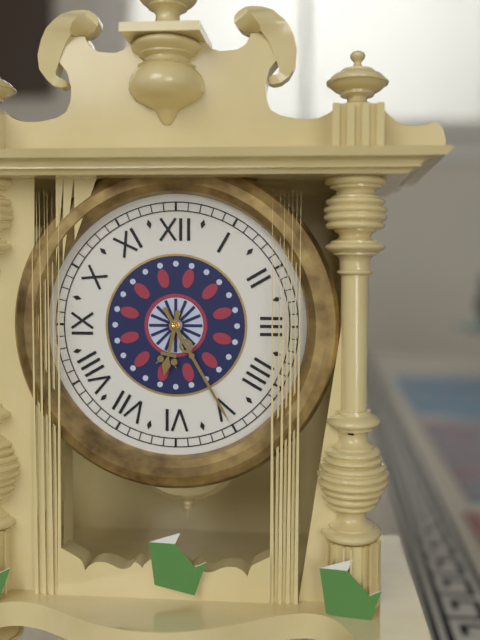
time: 6:25
